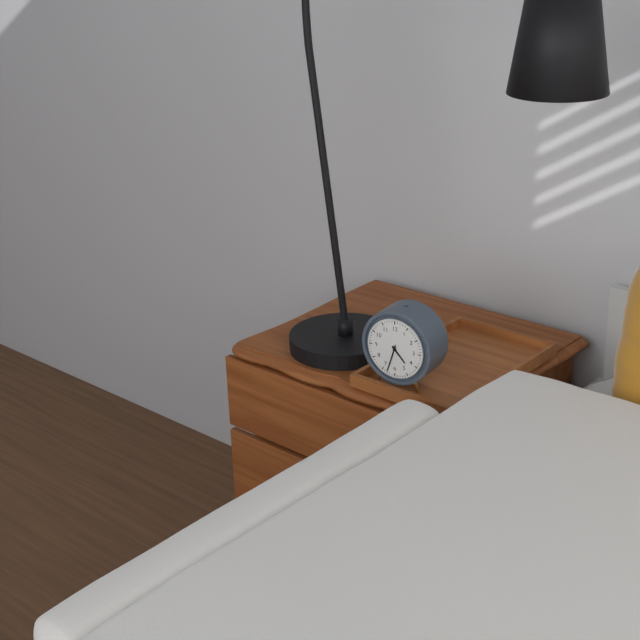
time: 4:33
